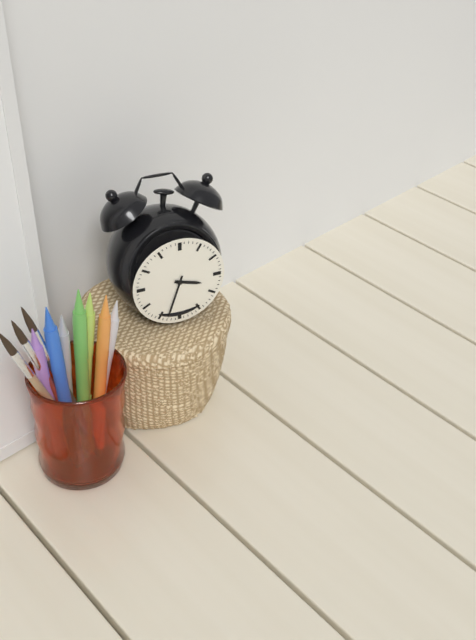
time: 3:33
